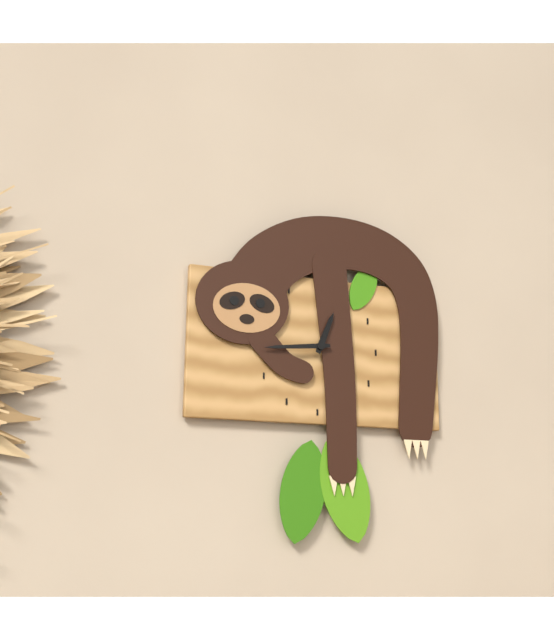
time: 12:44
